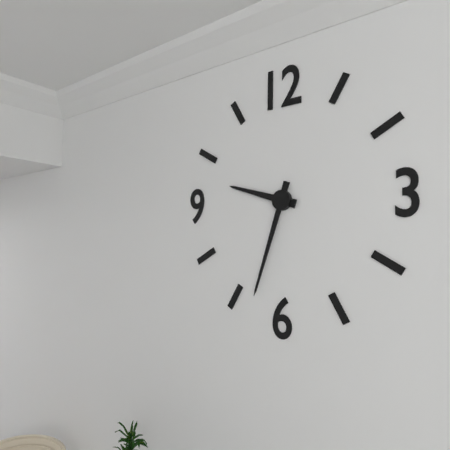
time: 9:33
